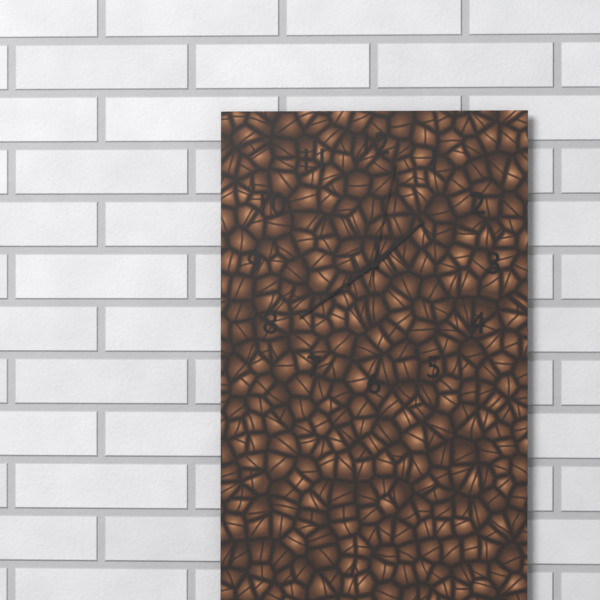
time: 1:39:02
